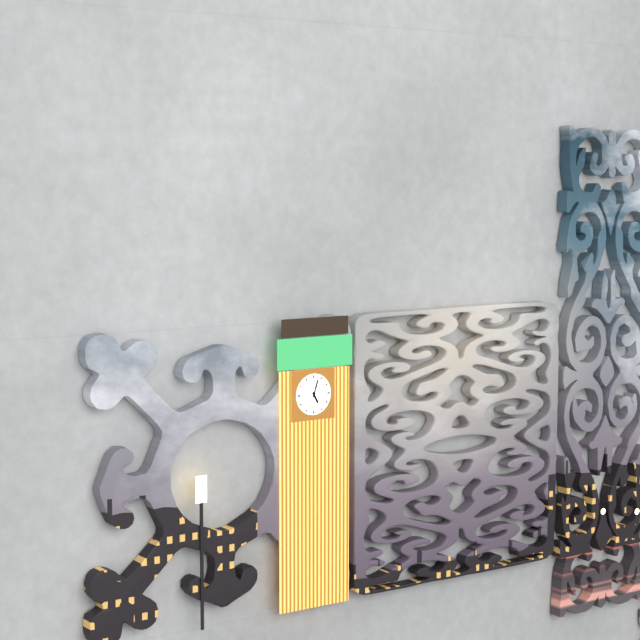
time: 5:03
